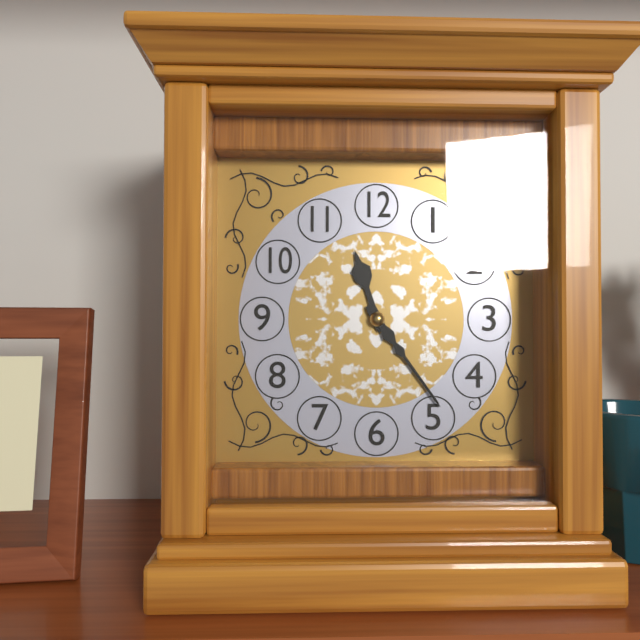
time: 11:24
